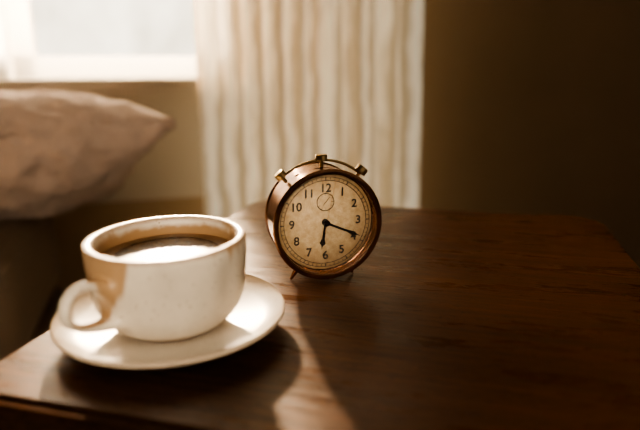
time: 6:19:02
